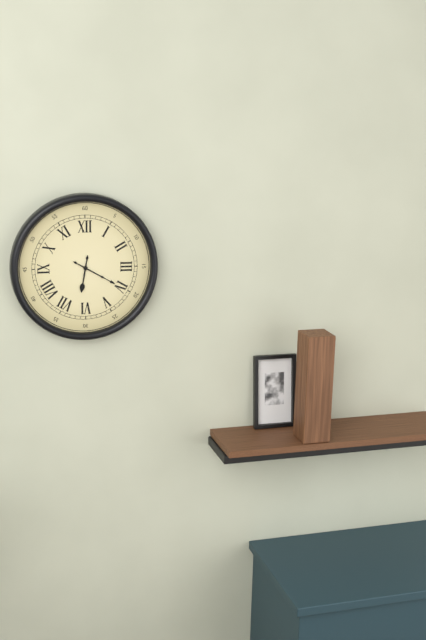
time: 6:20
